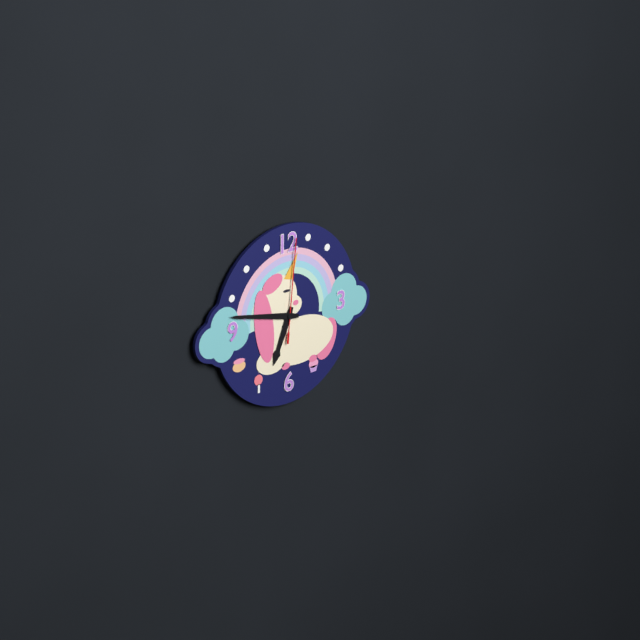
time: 6:47:01
